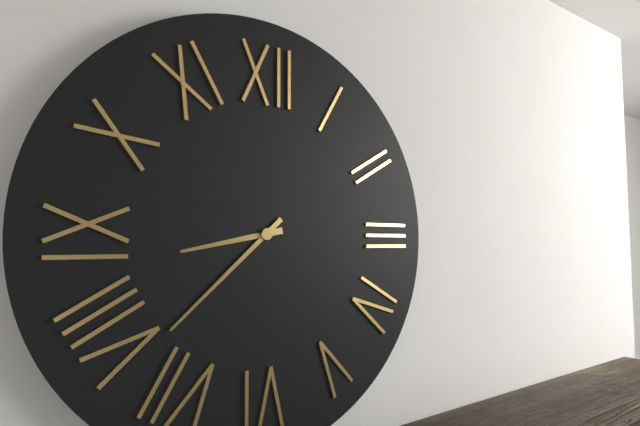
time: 8:38
